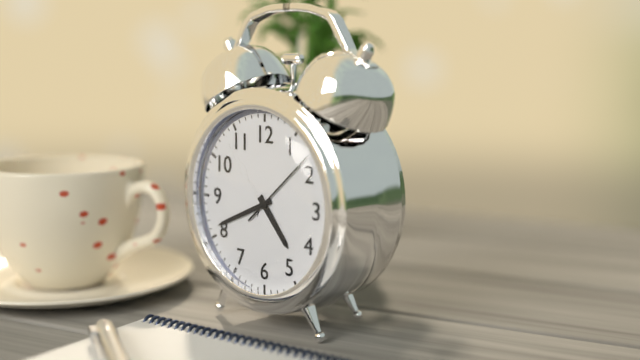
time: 4:41:08
